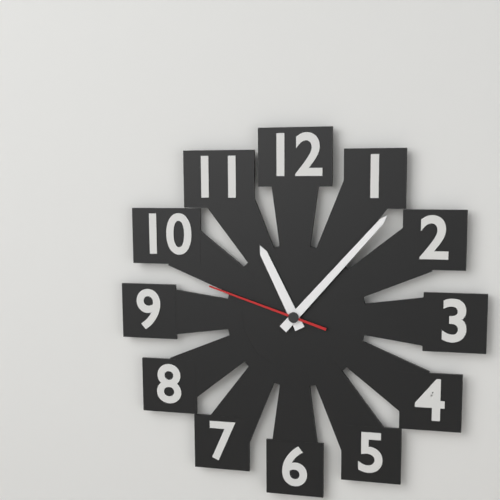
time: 11:07:48
